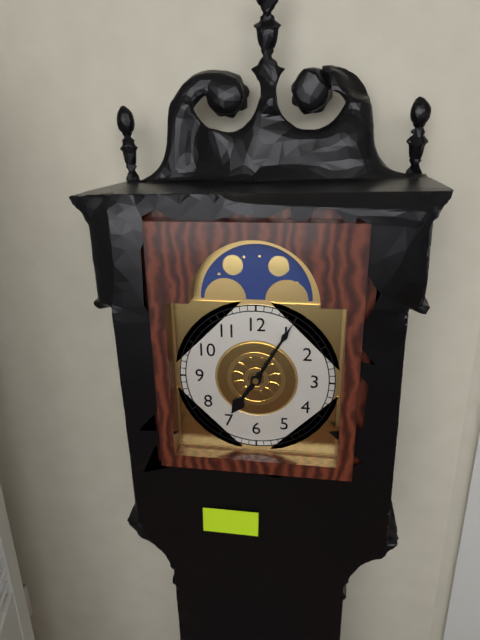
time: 7:05
